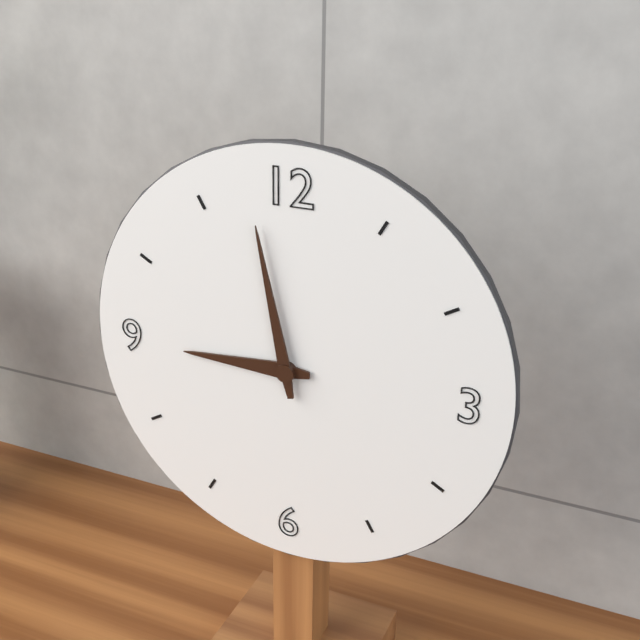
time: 8:58
